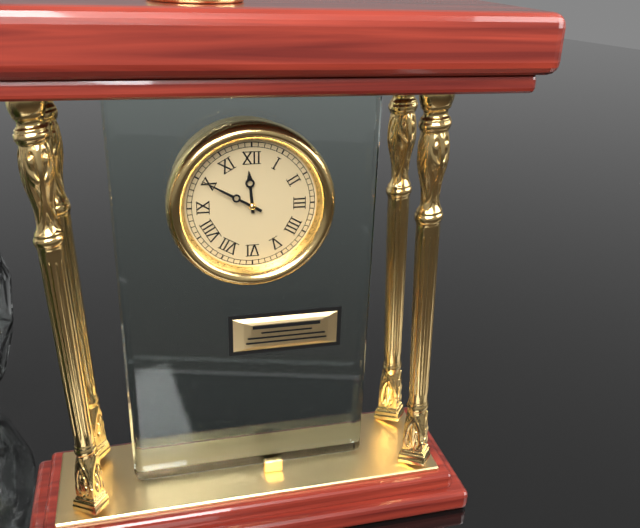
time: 11:50
